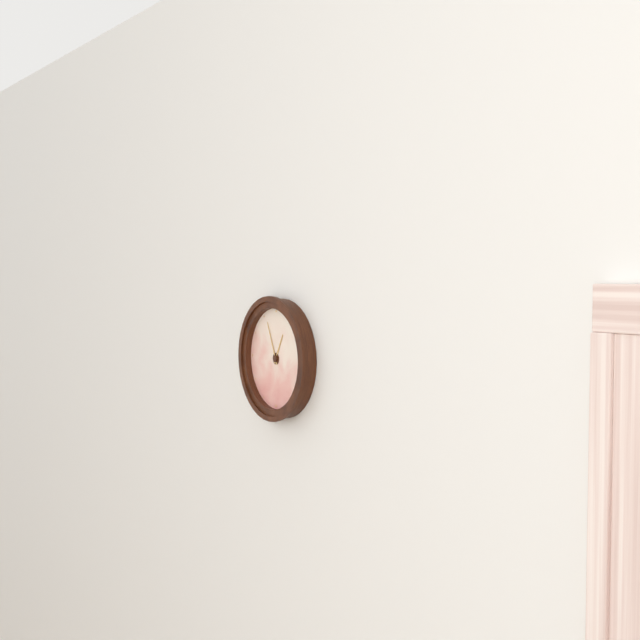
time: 12:56
